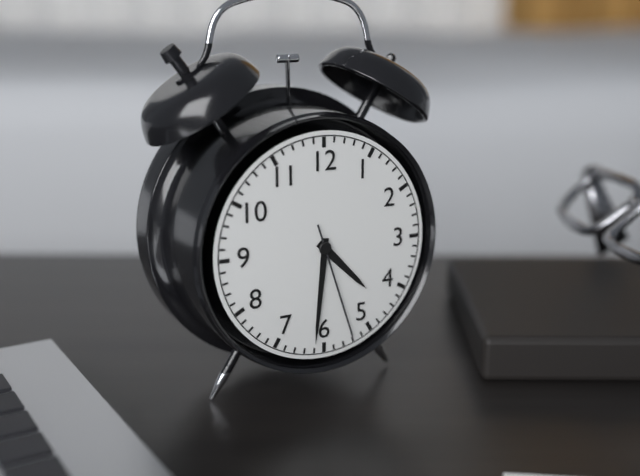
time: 4:31:27
